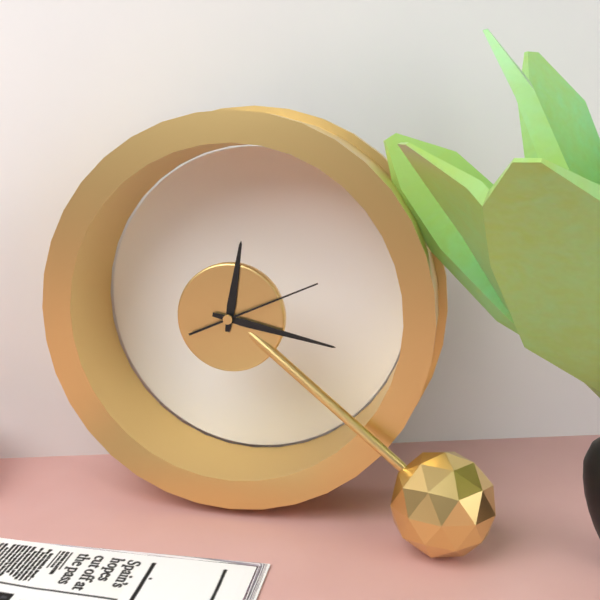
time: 12:17:11
